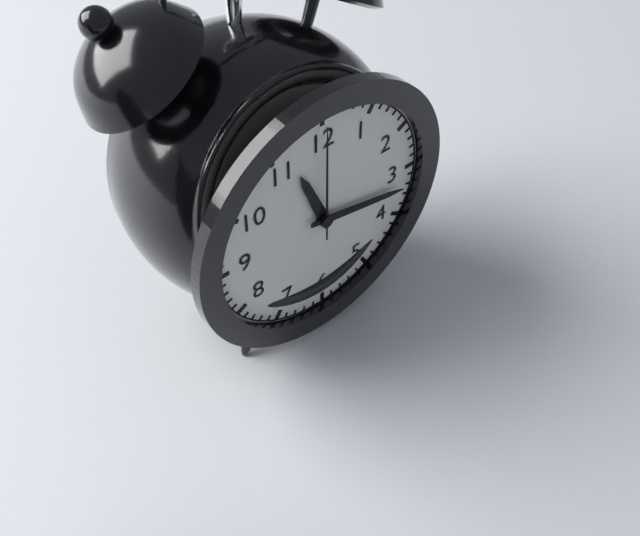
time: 11:17:00
